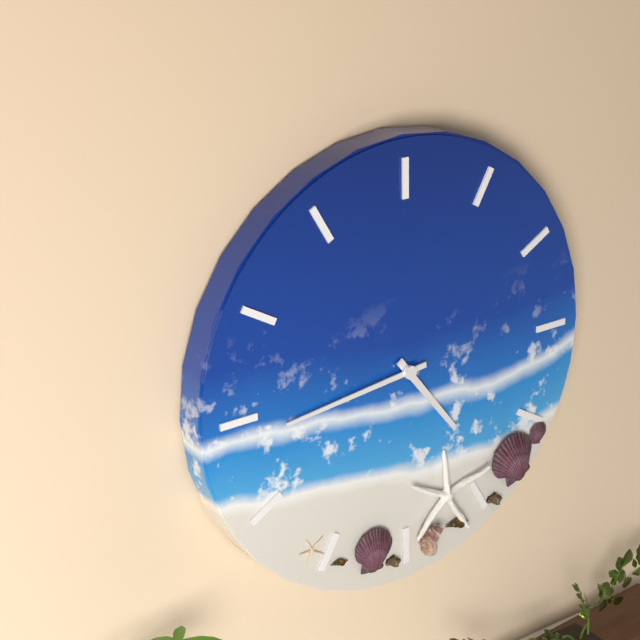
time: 4:44
